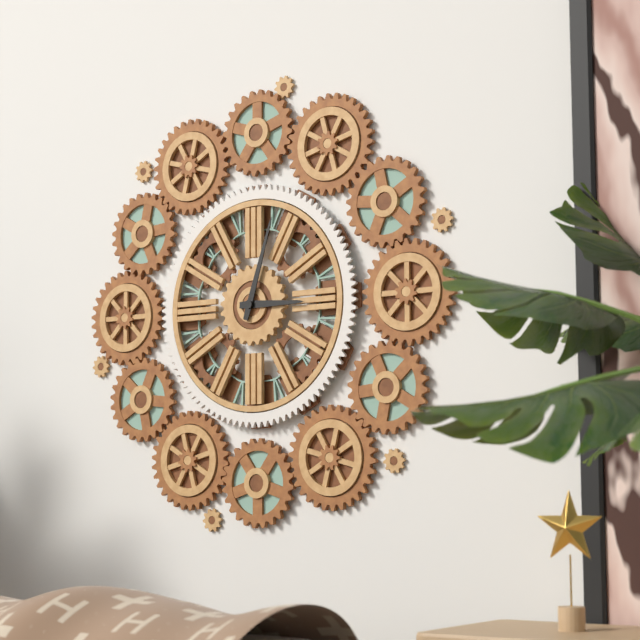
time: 3:03
